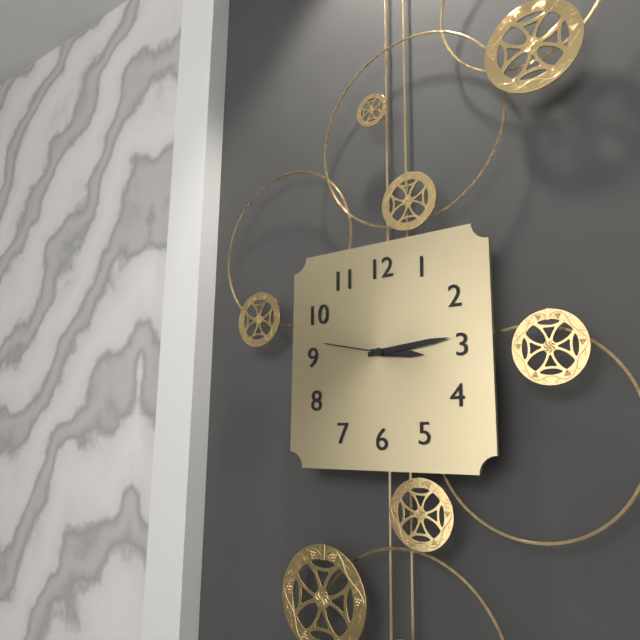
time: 3:14:47
